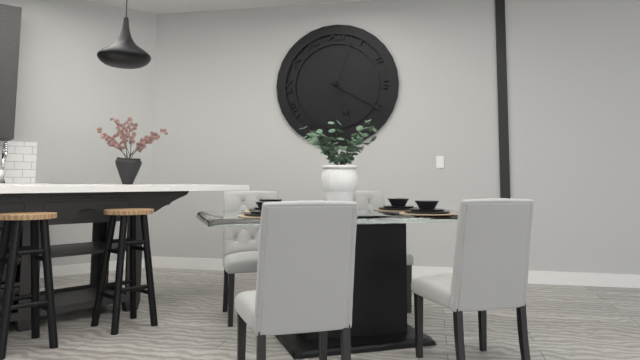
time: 5:20:03
